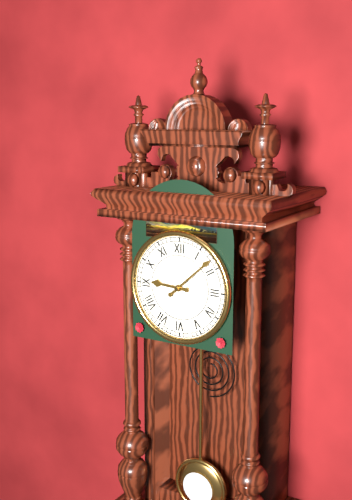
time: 9:08
